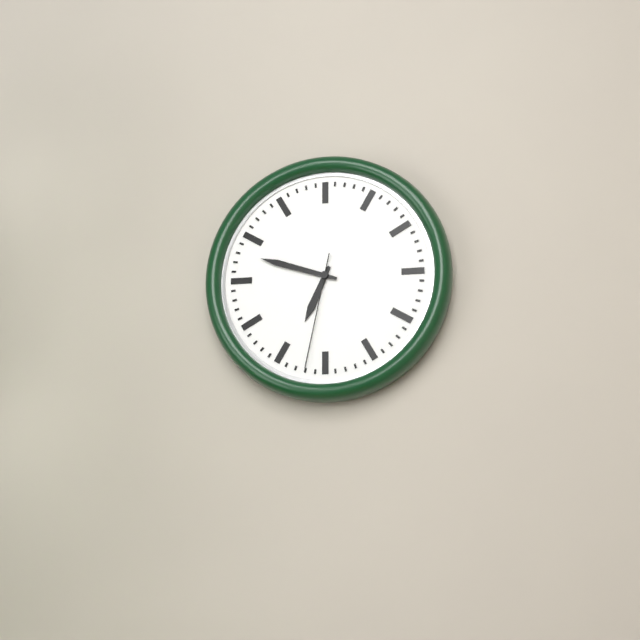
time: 6:48:32
